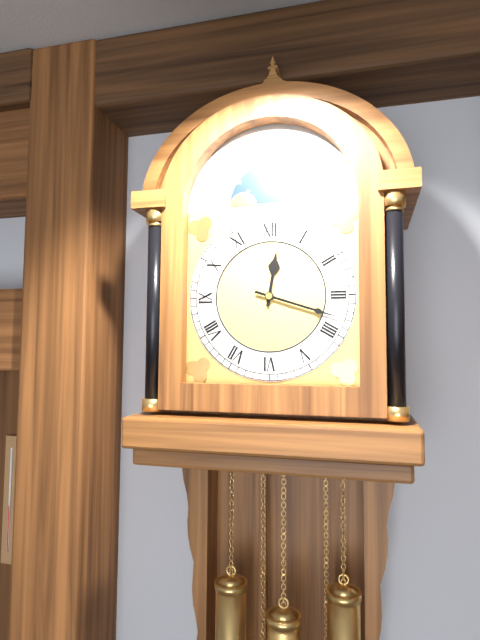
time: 12:18
